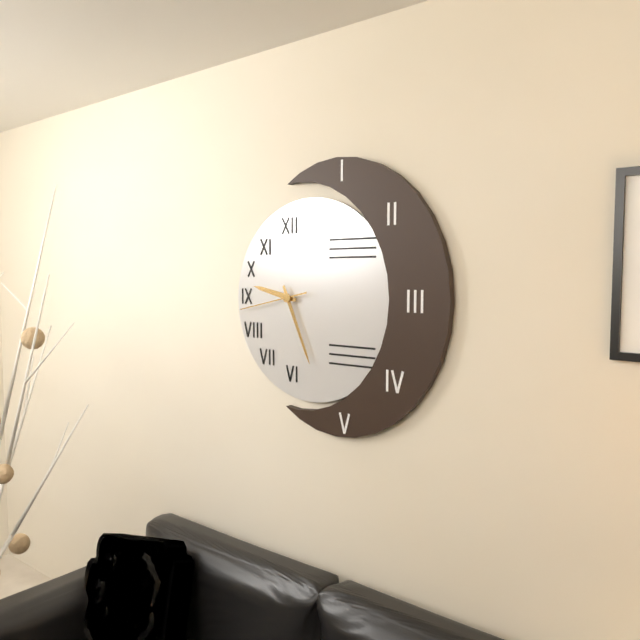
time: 9:26:43
